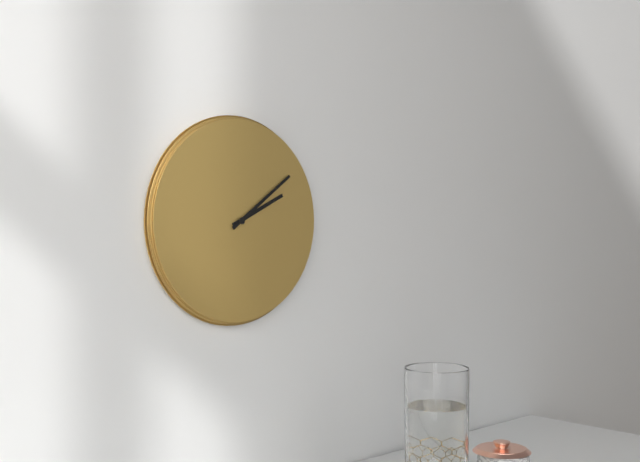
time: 2:09
